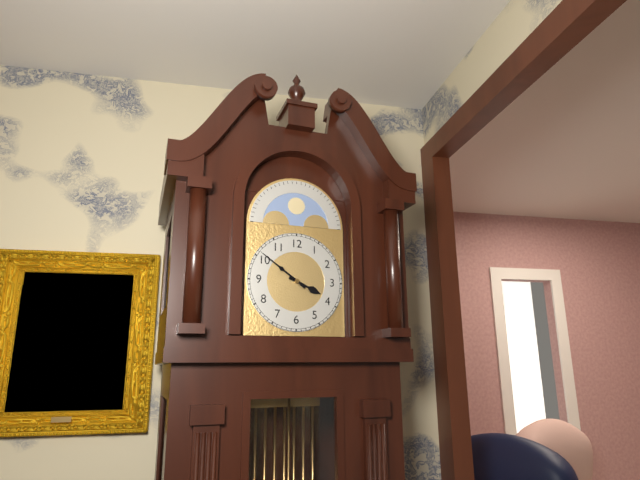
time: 3:51
